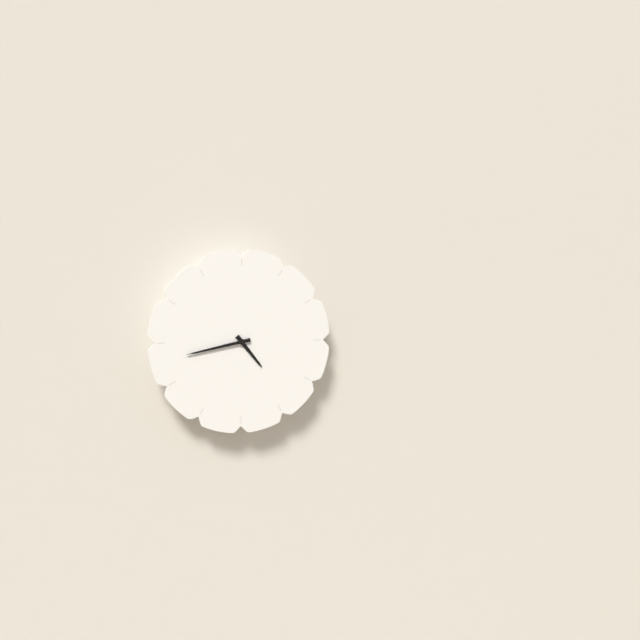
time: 4:43
